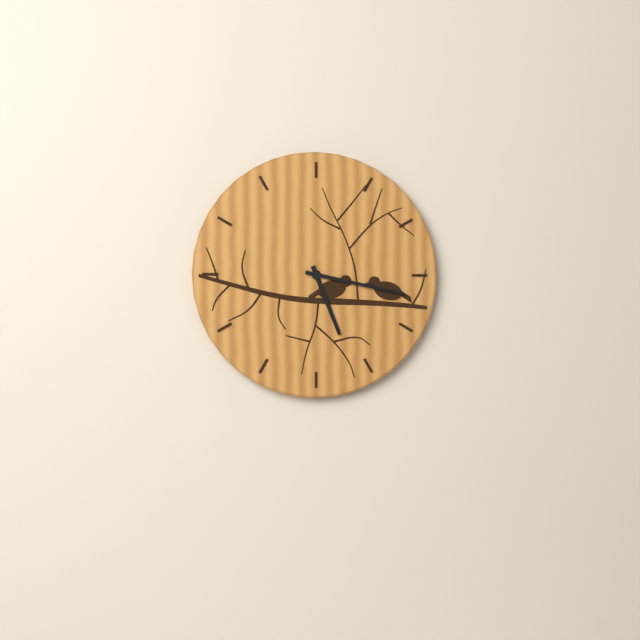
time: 5:17
